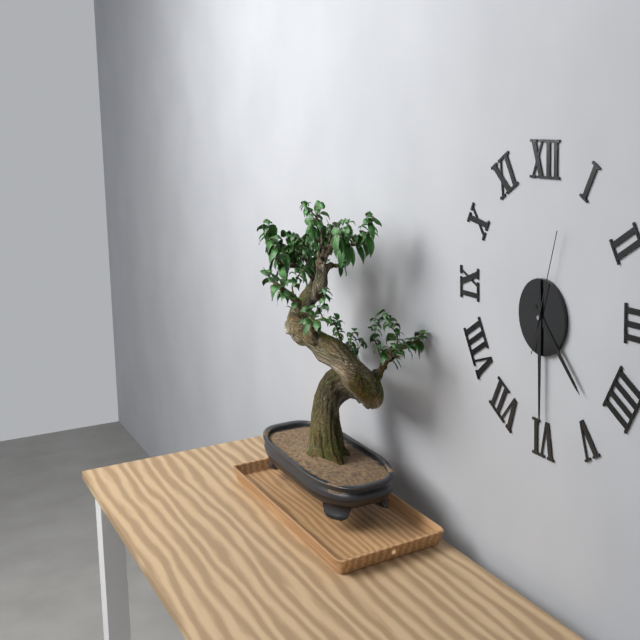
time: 4:30:03
